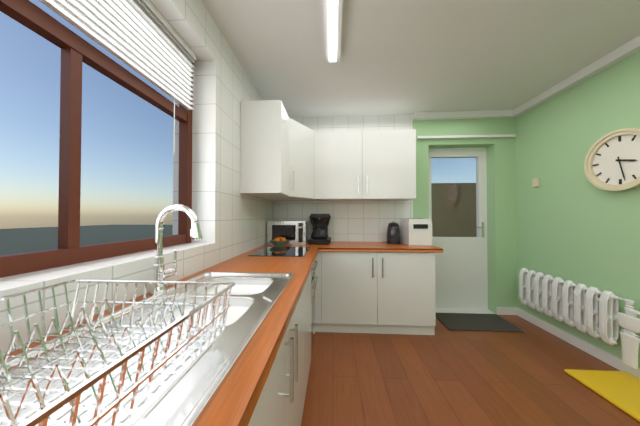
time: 3:28
